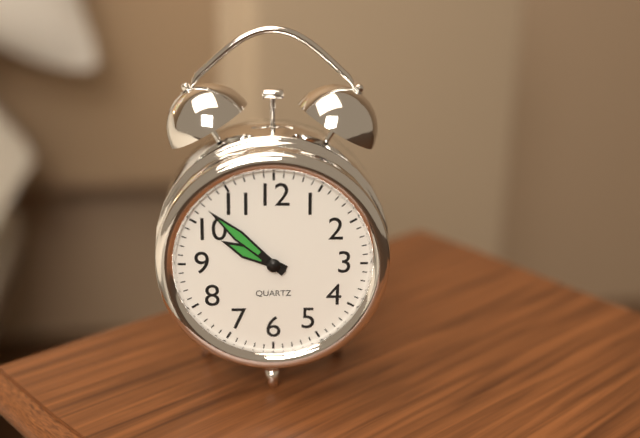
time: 9:52
